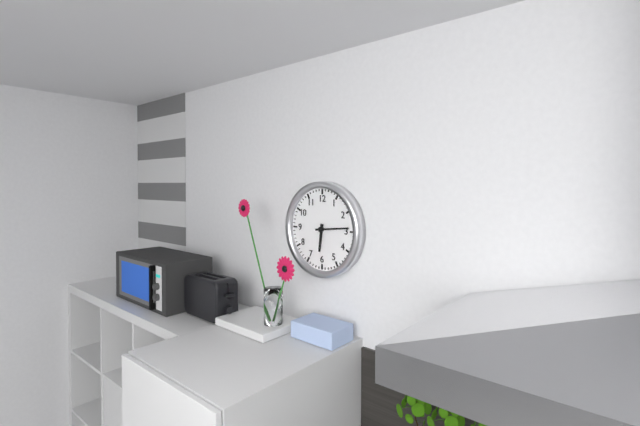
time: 6:14
